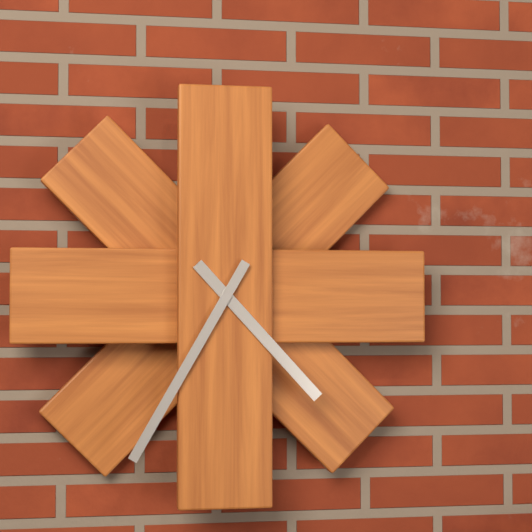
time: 4:35
